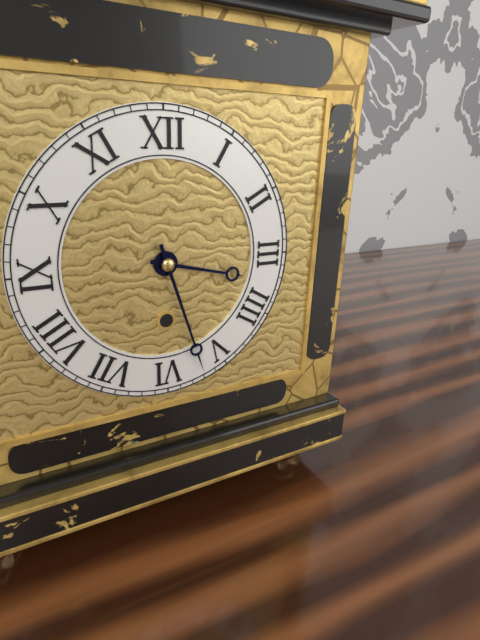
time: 3:27
